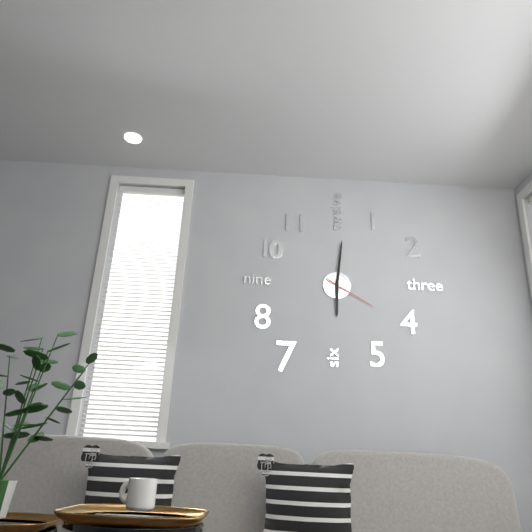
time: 6:01:20
